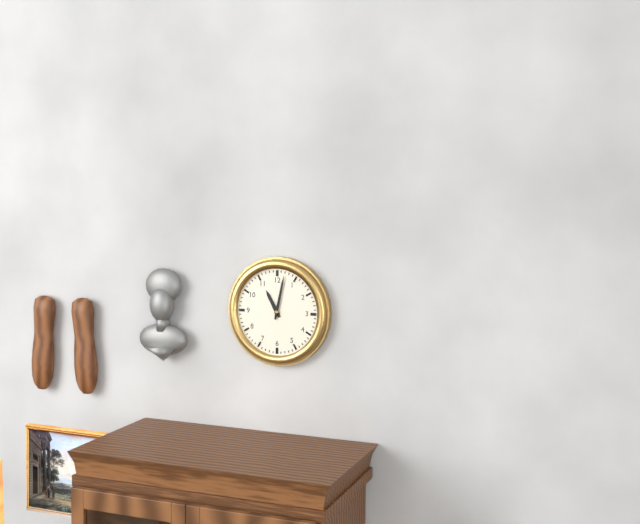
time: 11:02
